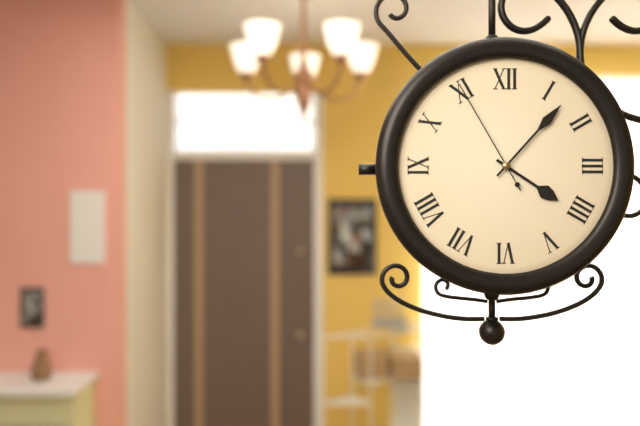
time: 4:07:55
